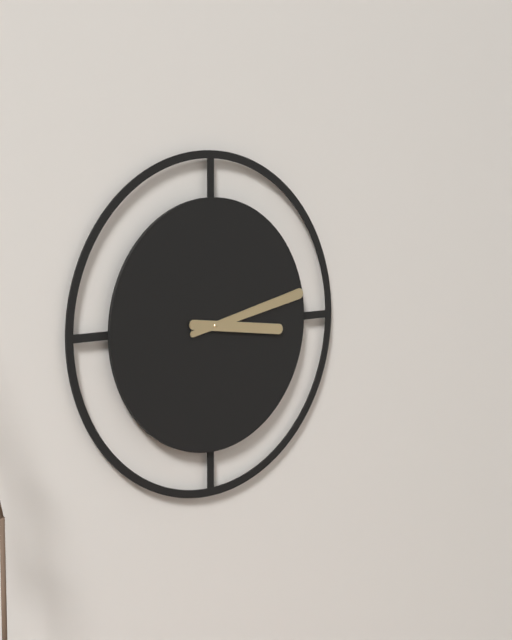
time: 3:13
